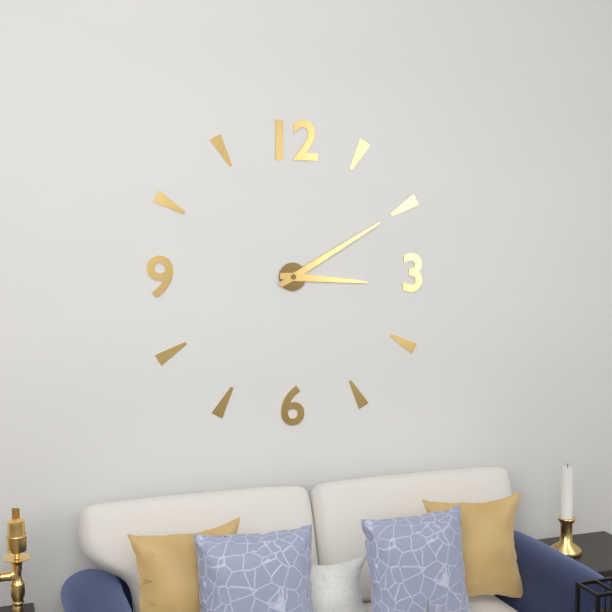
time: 3:10
